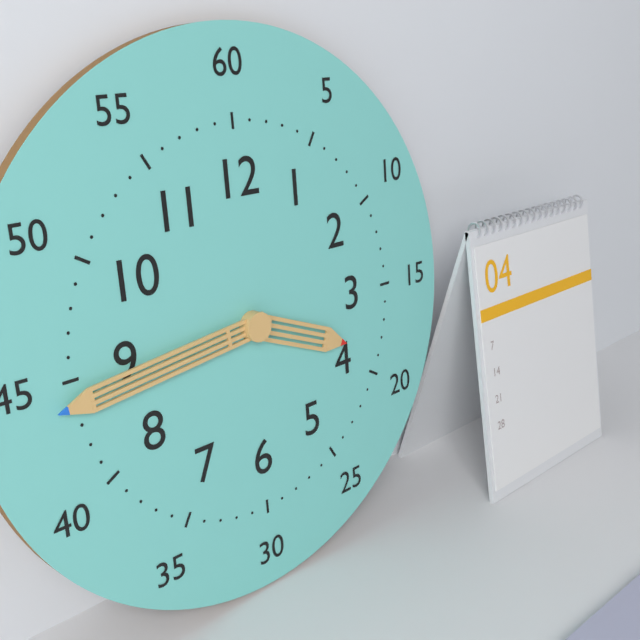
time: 3:44
